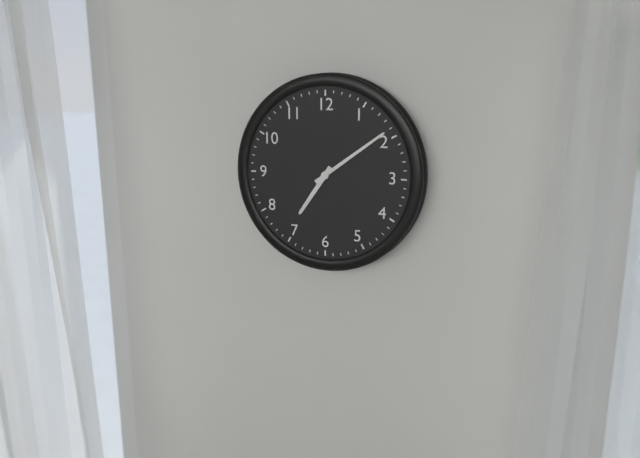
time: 7:09
